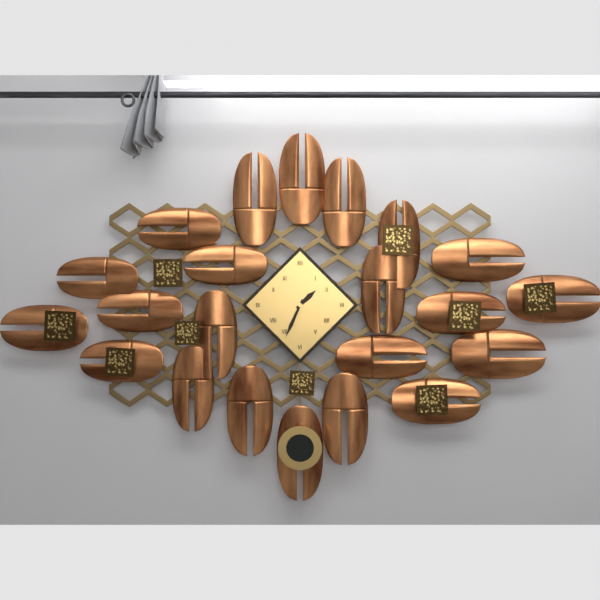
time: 1:34
